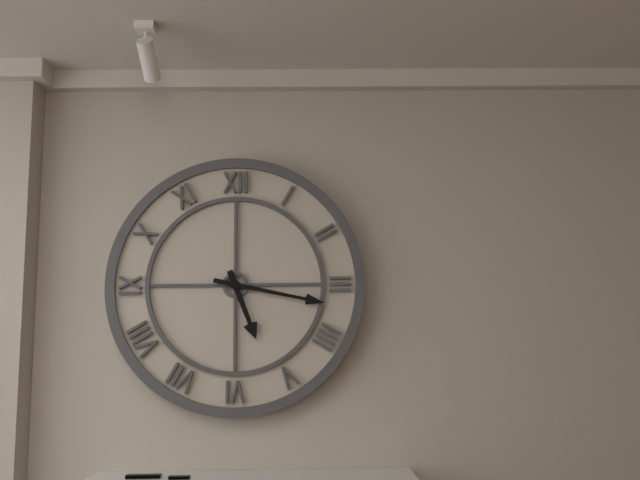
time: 5:17
